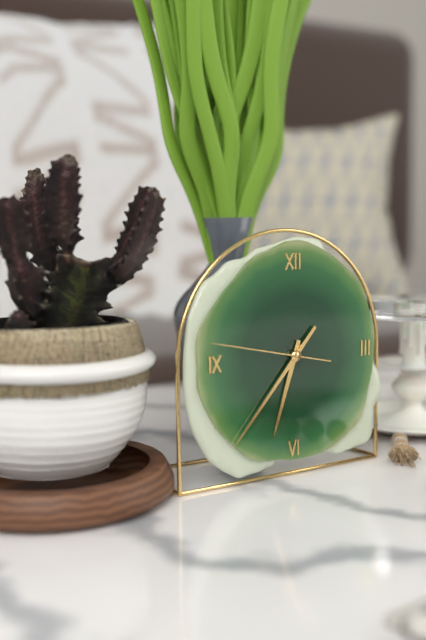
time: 6:37:47
